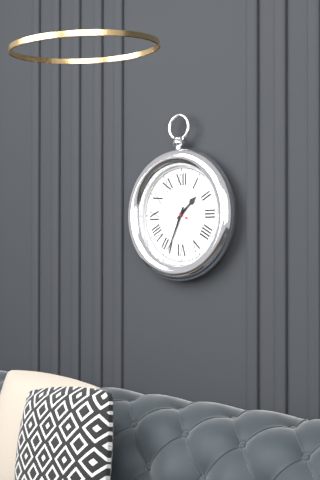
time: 1:34
